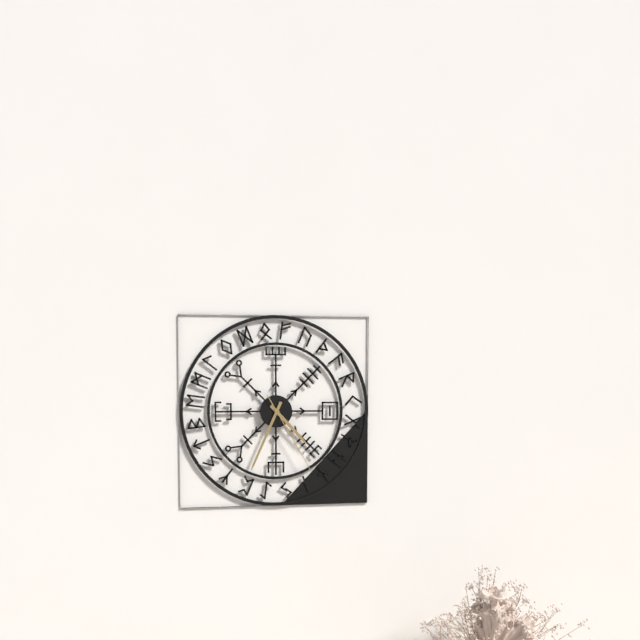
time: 4:34:25
